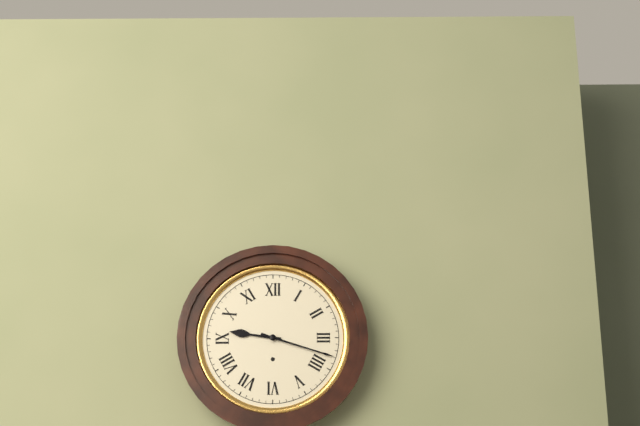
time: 9:18
